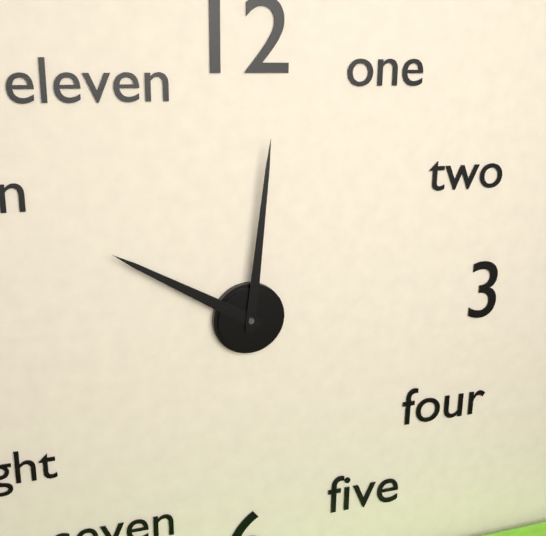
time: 10:01
